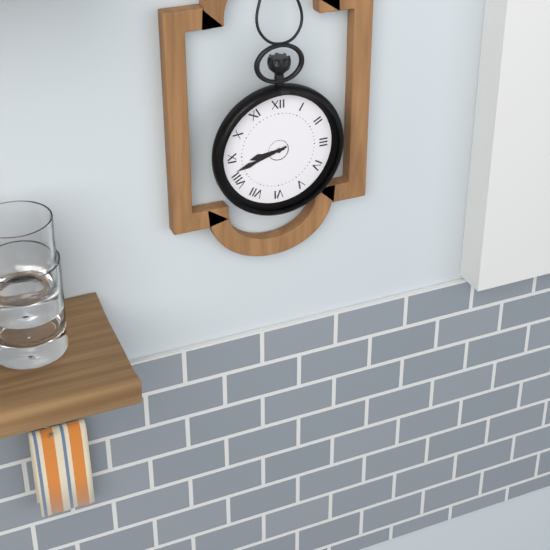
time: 8:42
